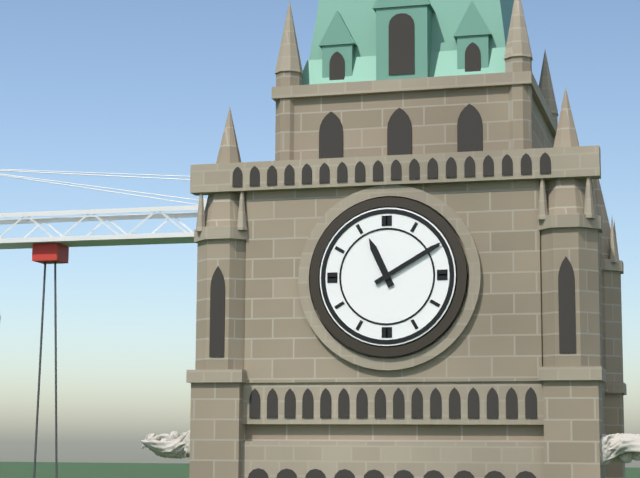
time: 11:10
